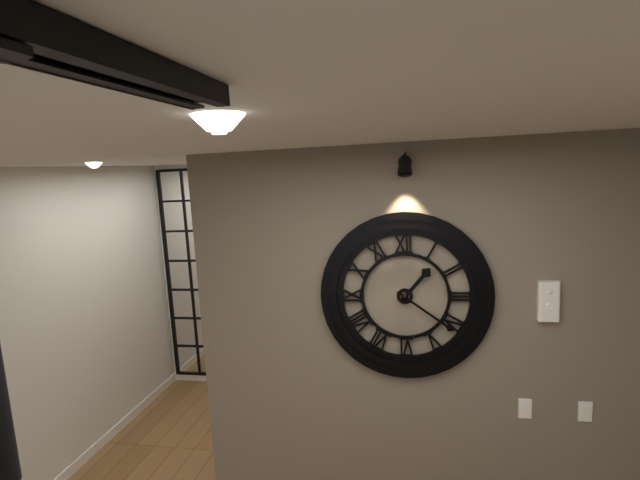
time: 1:21
